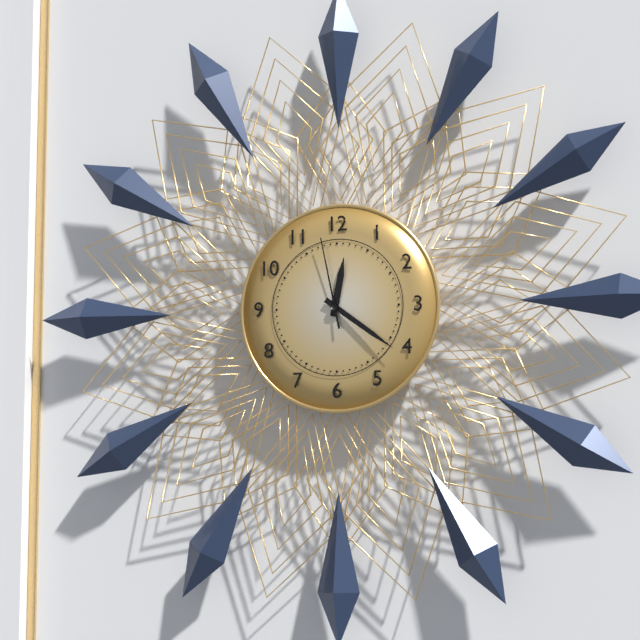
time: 12:21:58
